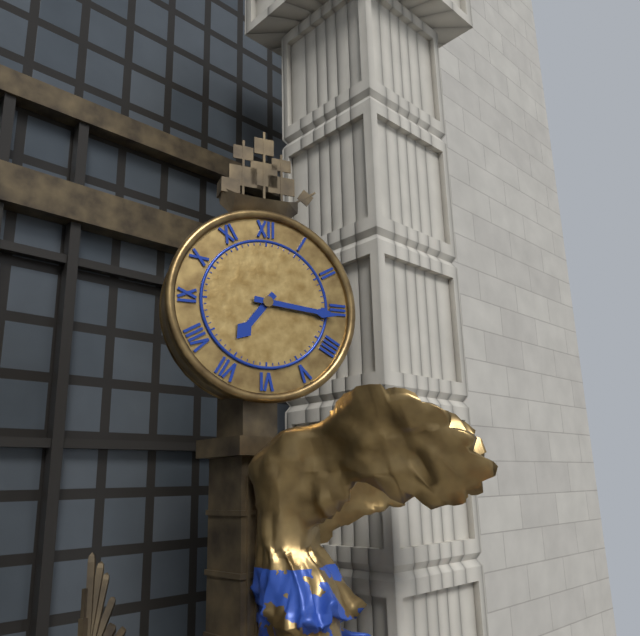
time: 7:16
